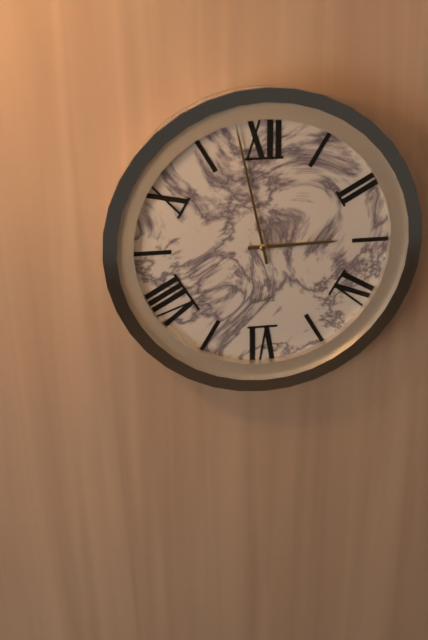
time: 2:58
